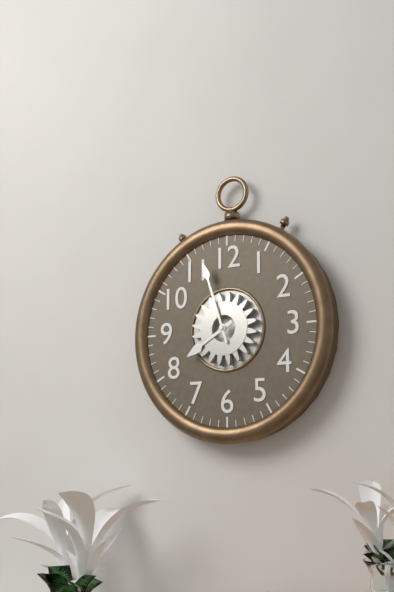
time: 7:57
